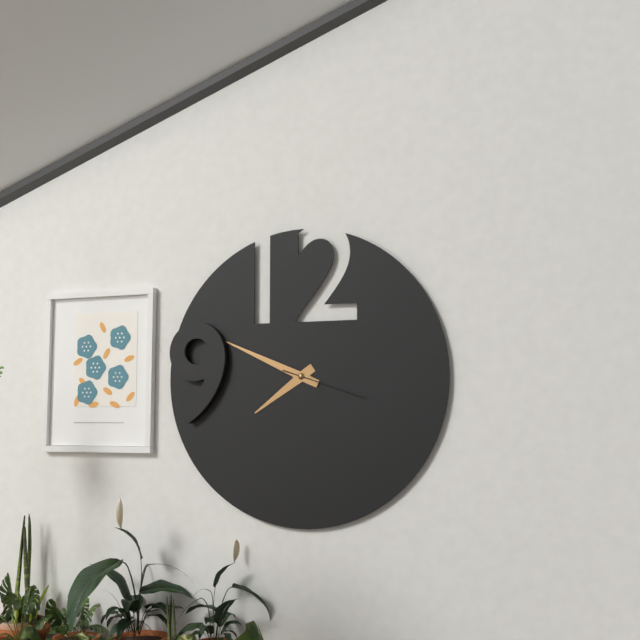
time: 7:49:18
